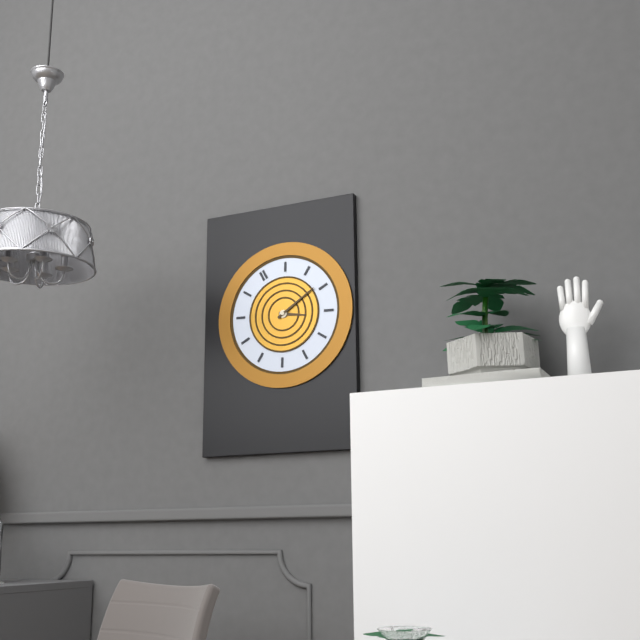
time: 4:14
